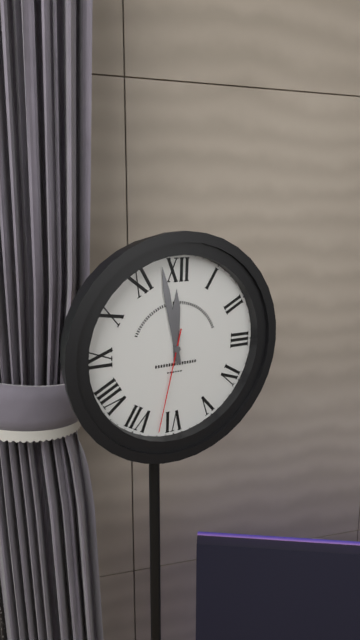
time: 11:58:32
